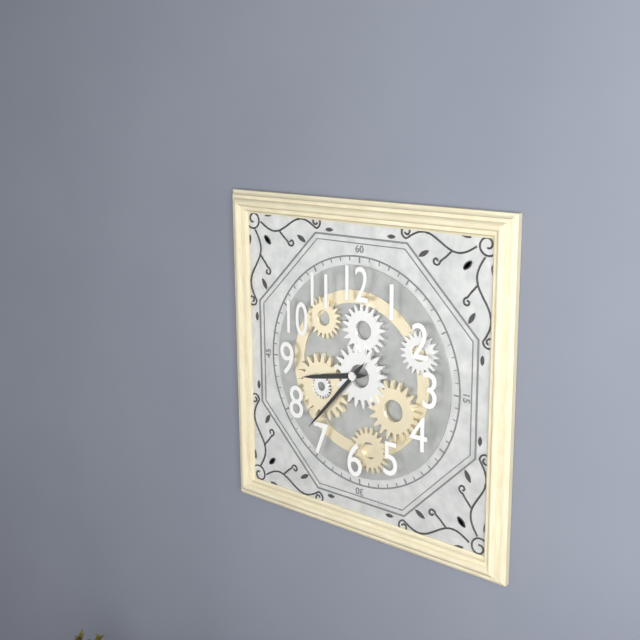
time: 8:37
